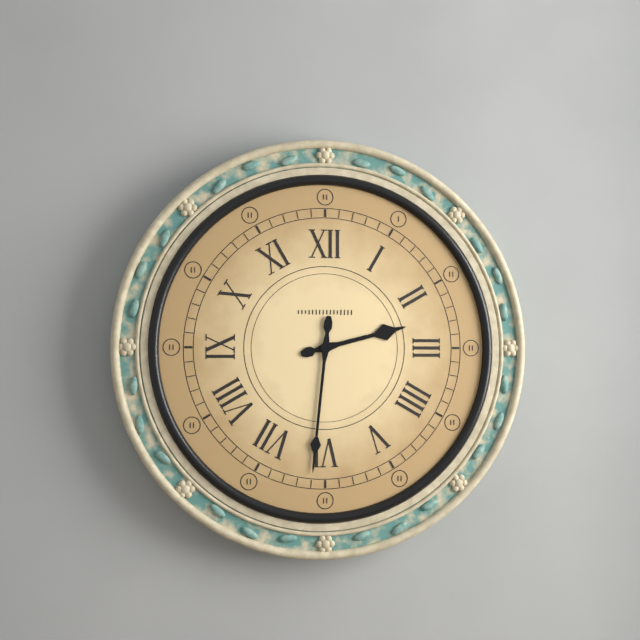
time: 2:31
